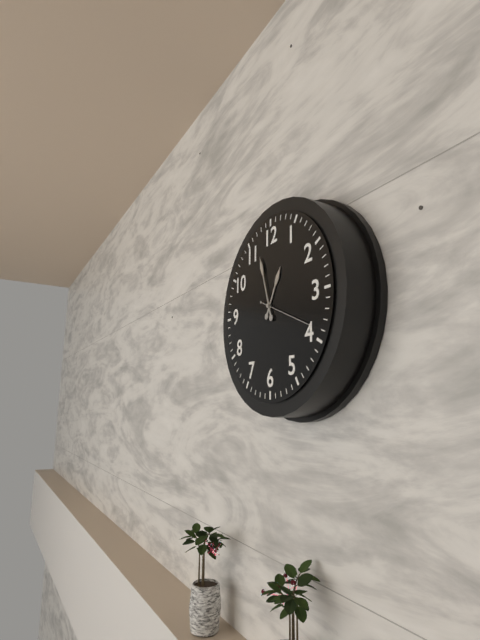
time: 12:57:19
